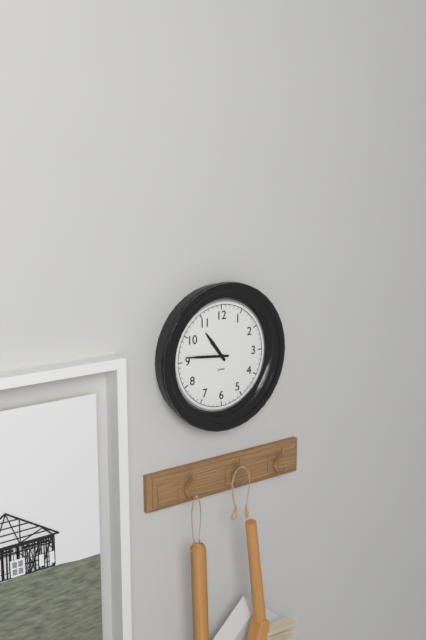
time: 10:46
